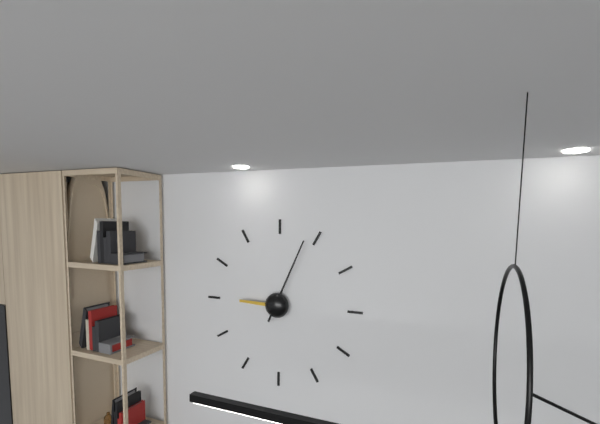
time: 9:04
